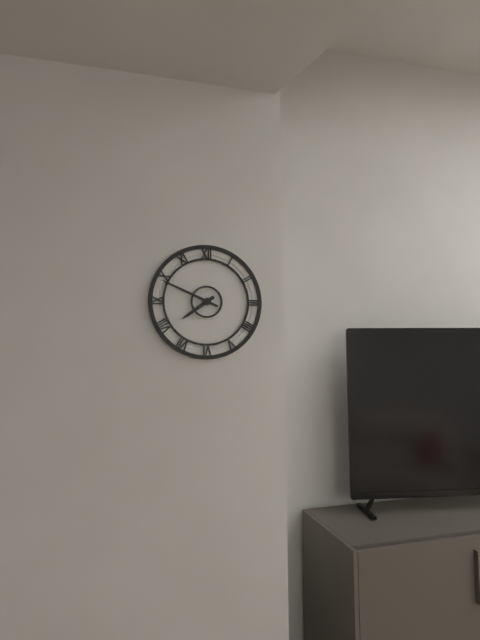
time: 7:49
